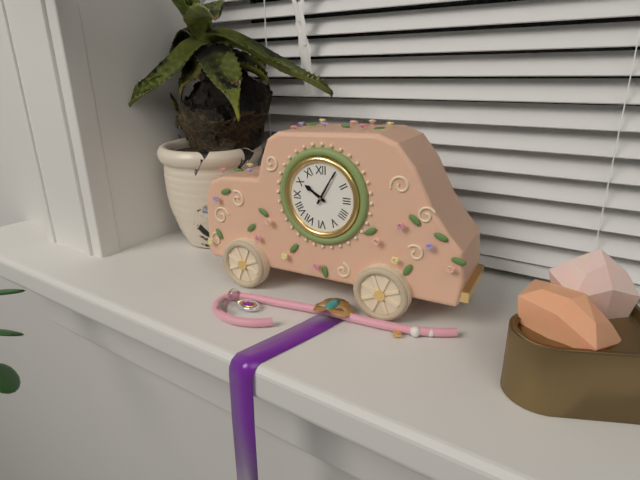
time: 10:05
